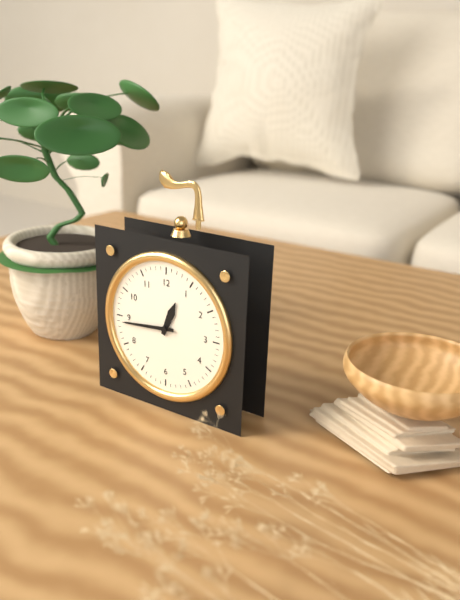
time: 12:44
